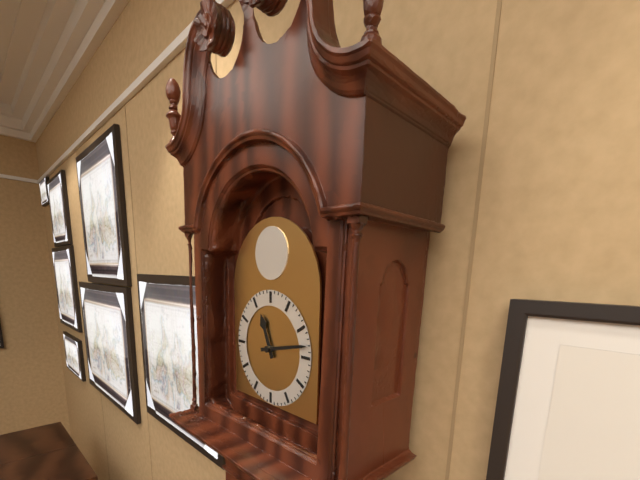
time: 11:13
